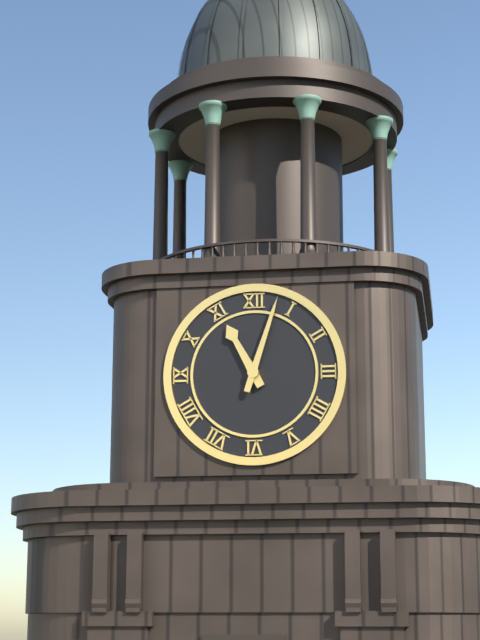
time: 11:03
